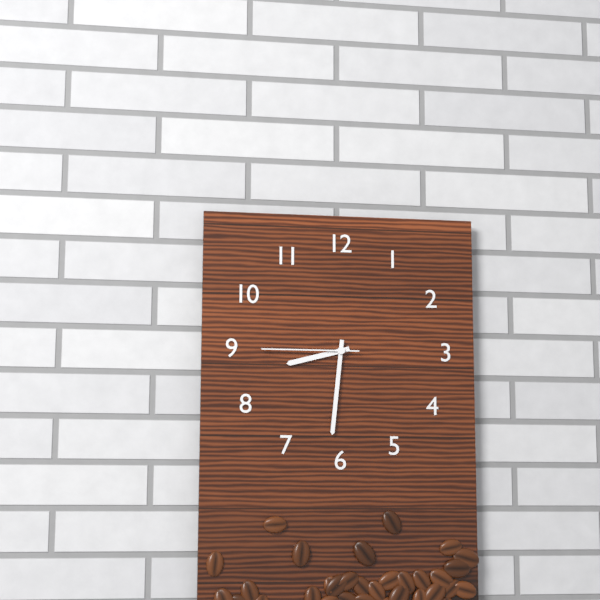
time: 8:31:45
